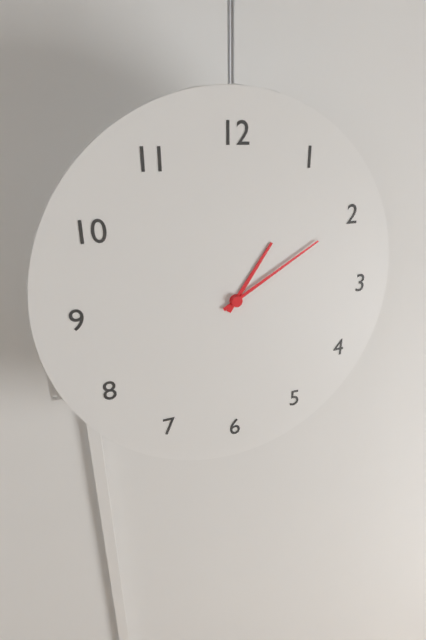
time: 1:10
